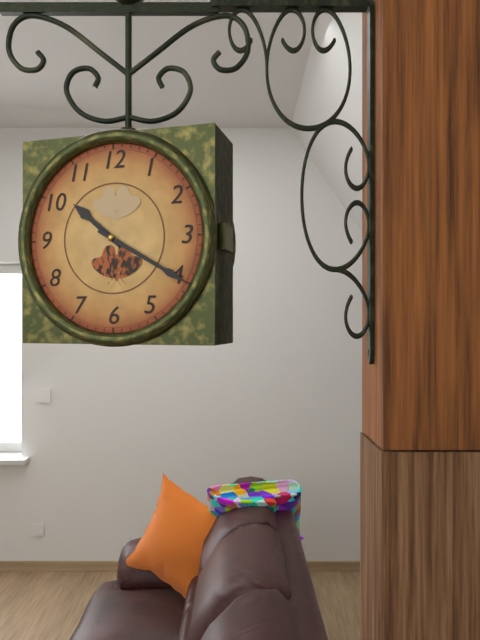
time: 10:20
